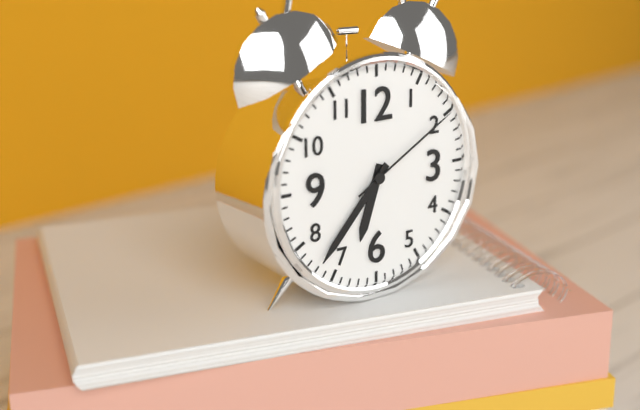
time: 6:37:10
